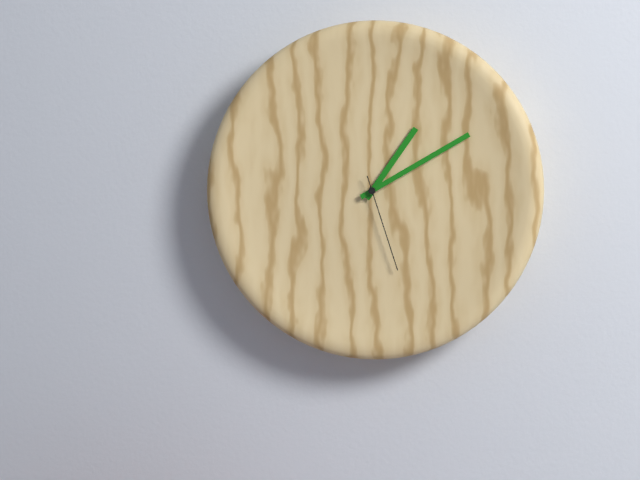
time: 1:10:27
